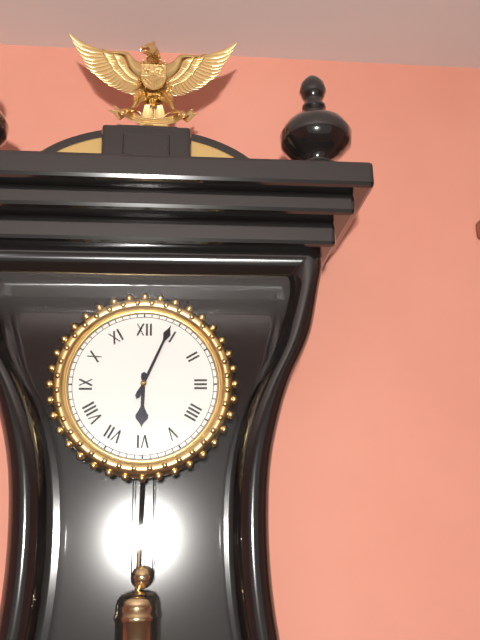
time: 6:04
